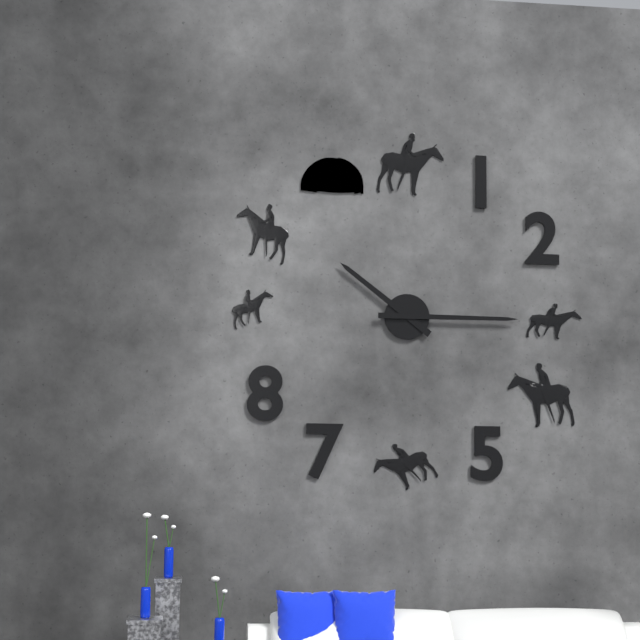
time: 10:15
